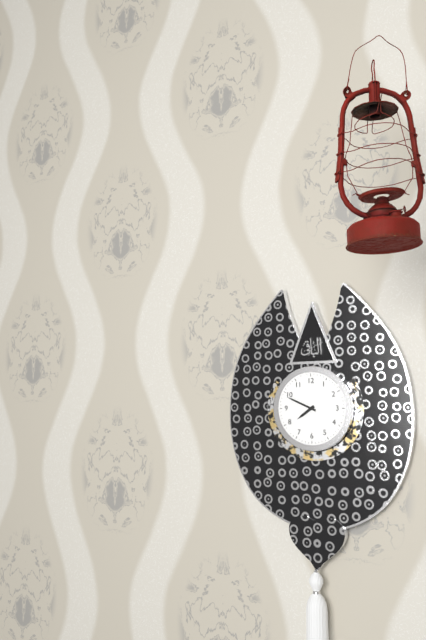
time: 7:49
